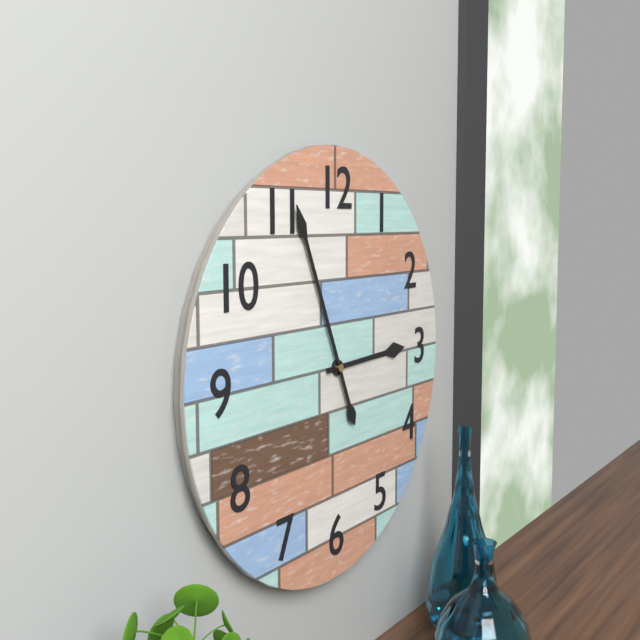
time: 2:56
